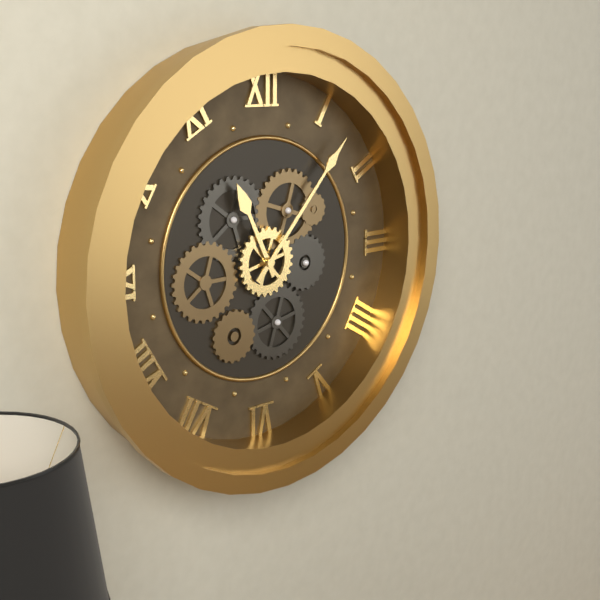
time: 11:07
